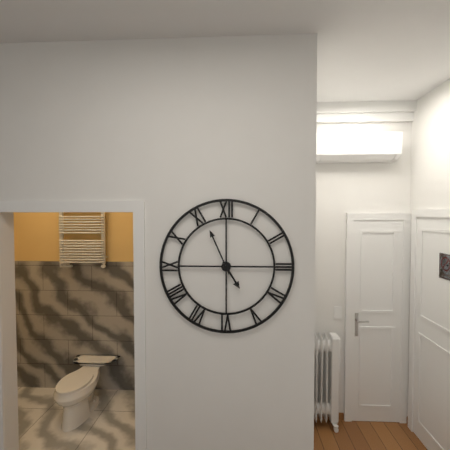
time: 4:56
